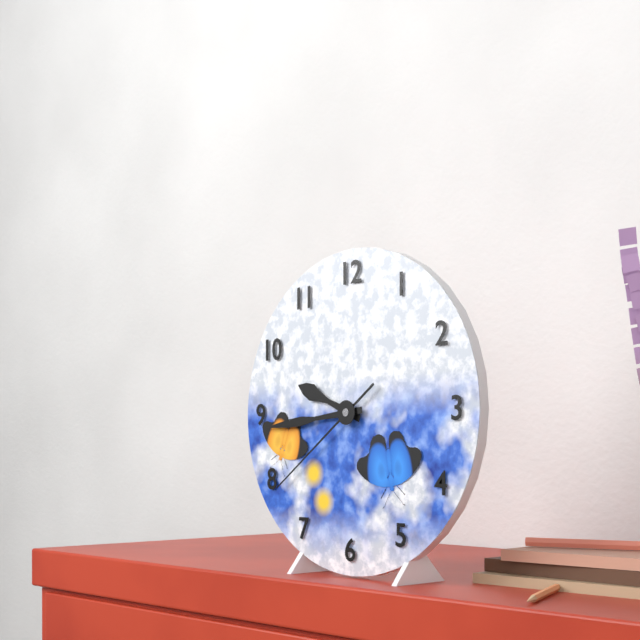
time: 9:44:39
